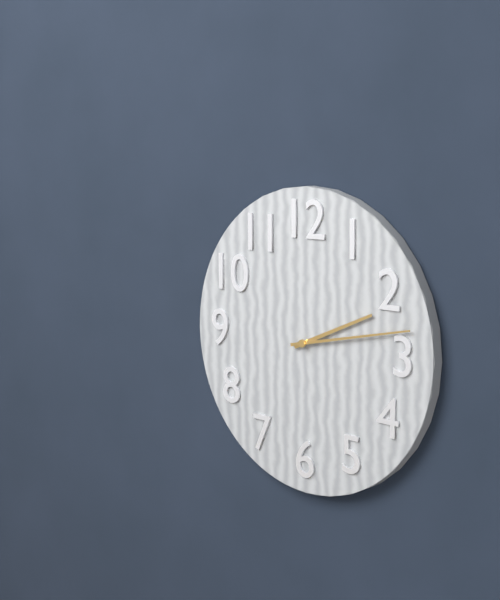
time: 2:13
